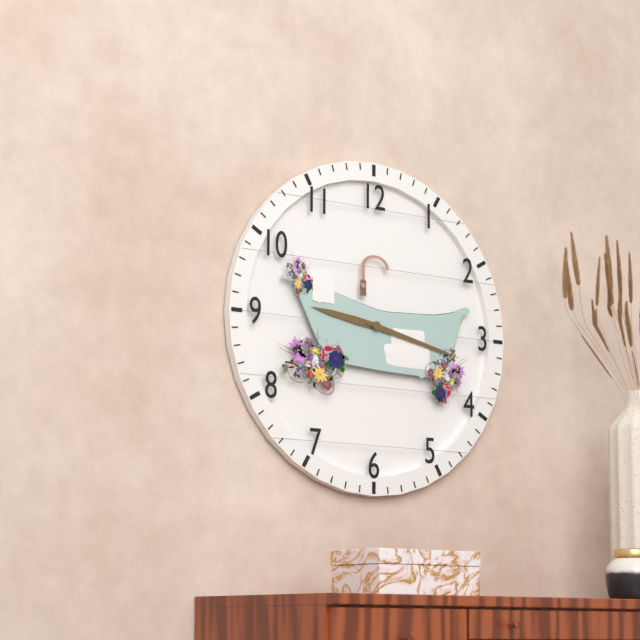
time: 9:17
